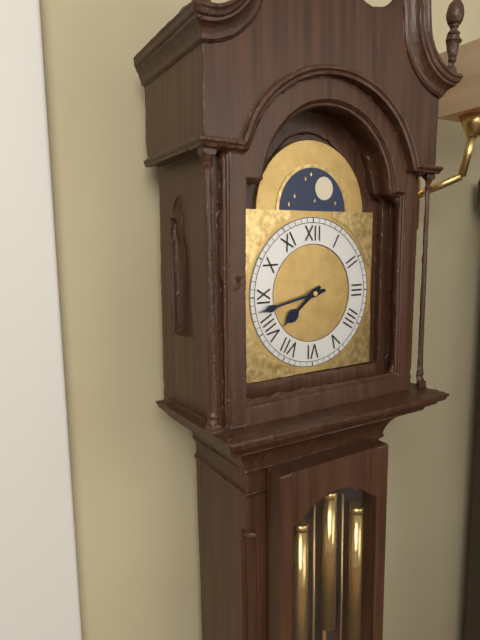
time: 7:43
